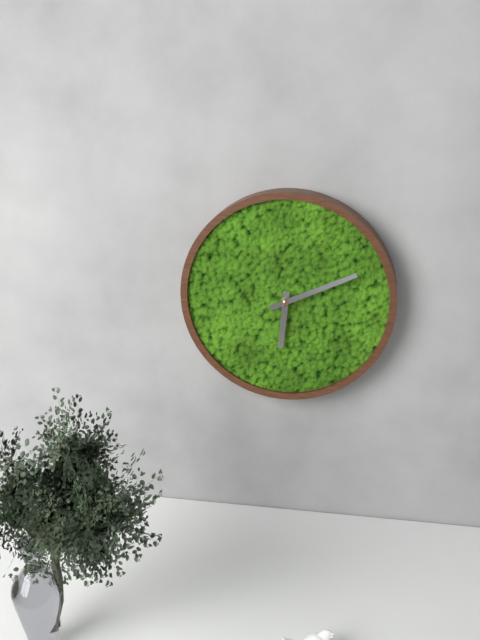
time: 6:11
